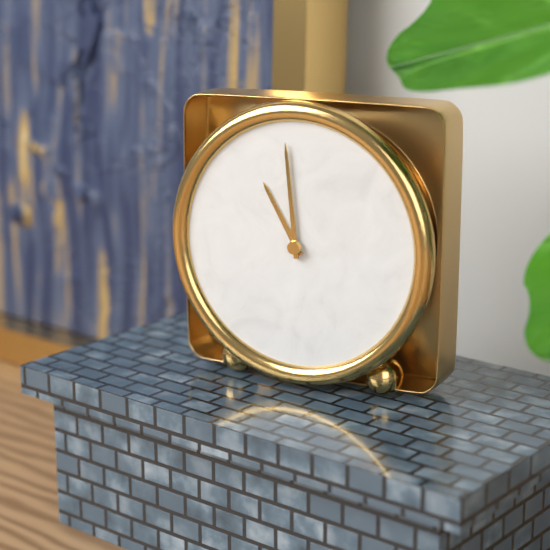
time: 10:59
